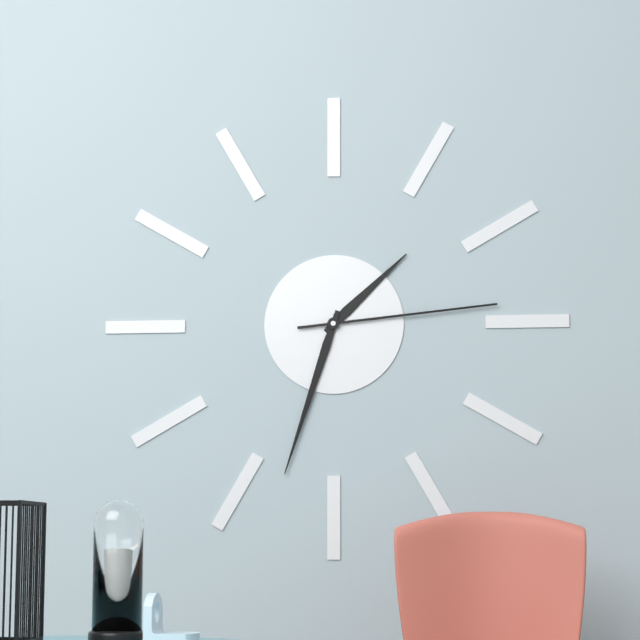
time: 1:33:14
